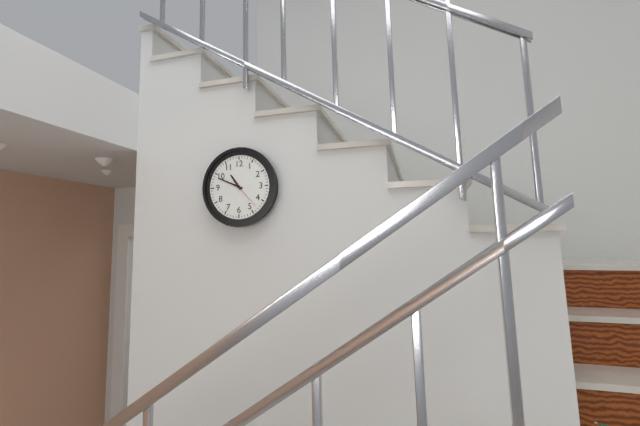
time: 10:49
